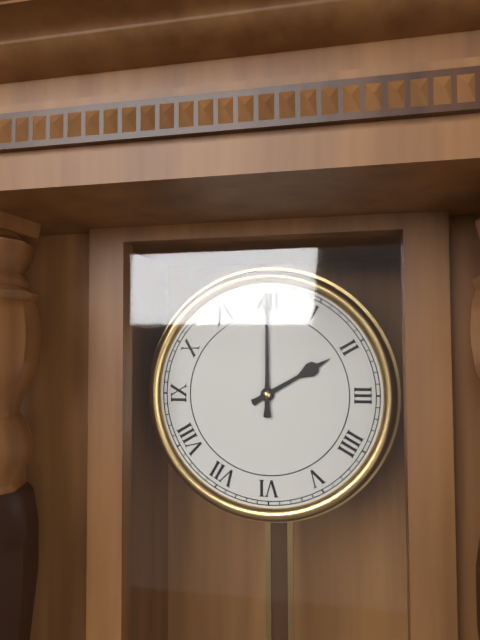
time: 2:00
